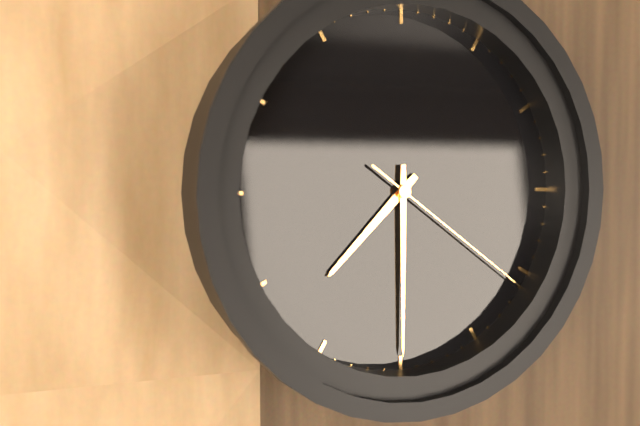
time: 7:30:21
